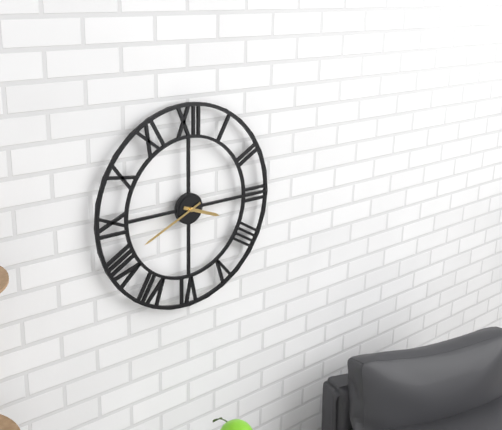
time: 3:41
